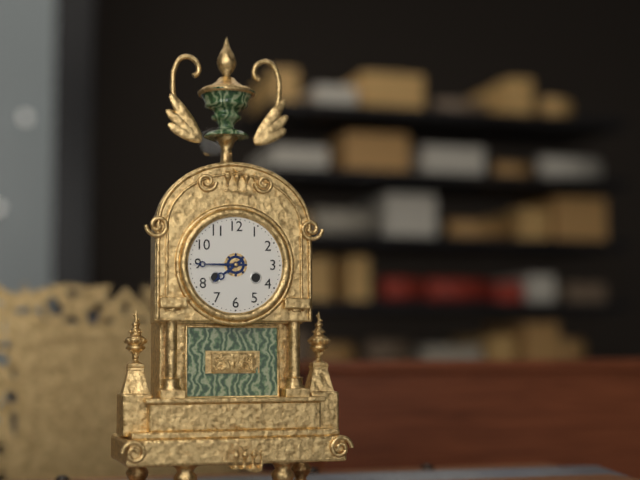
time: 7:45
